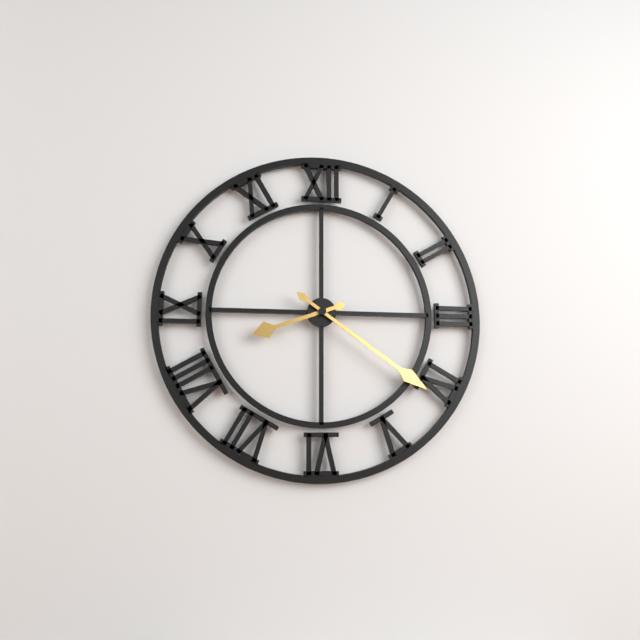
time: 8:21
